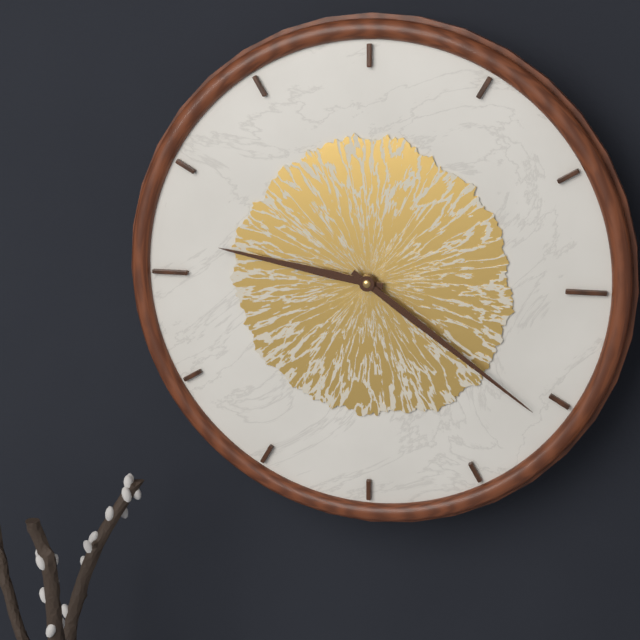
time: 9:21
